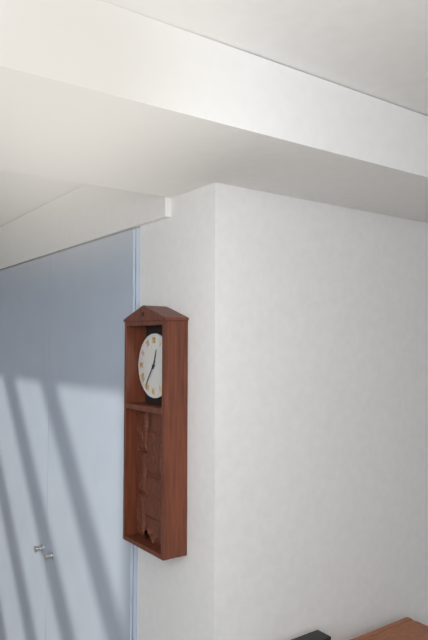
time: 12:36
